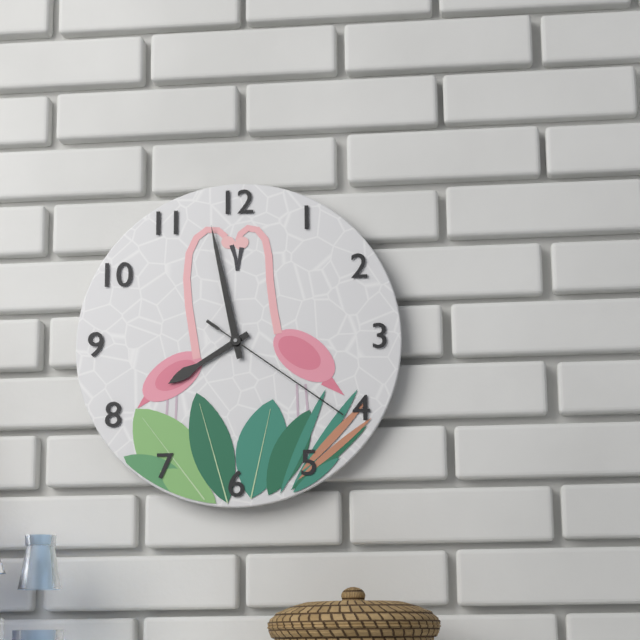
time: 7:58:21
